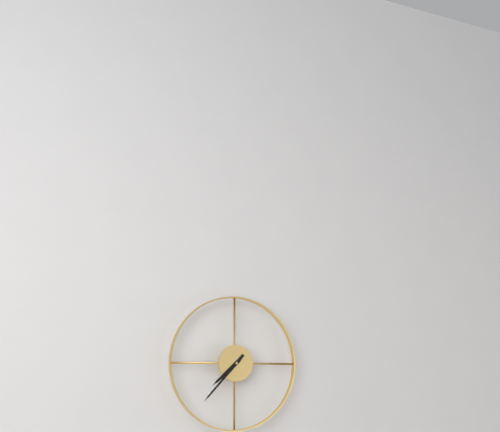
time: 7:37
